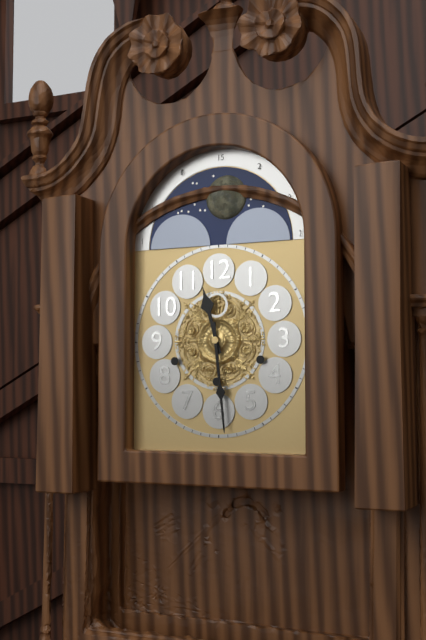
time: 11:29
